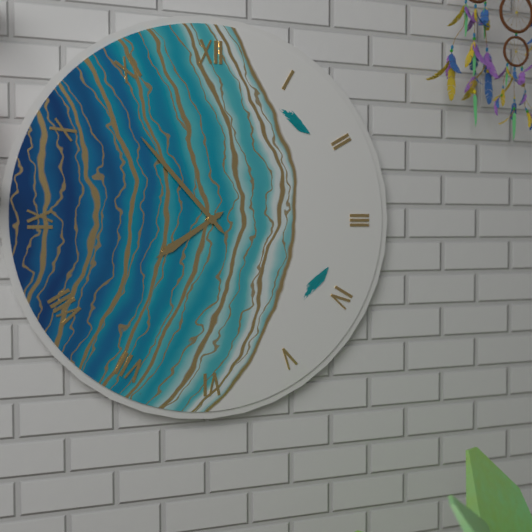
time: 7:53
